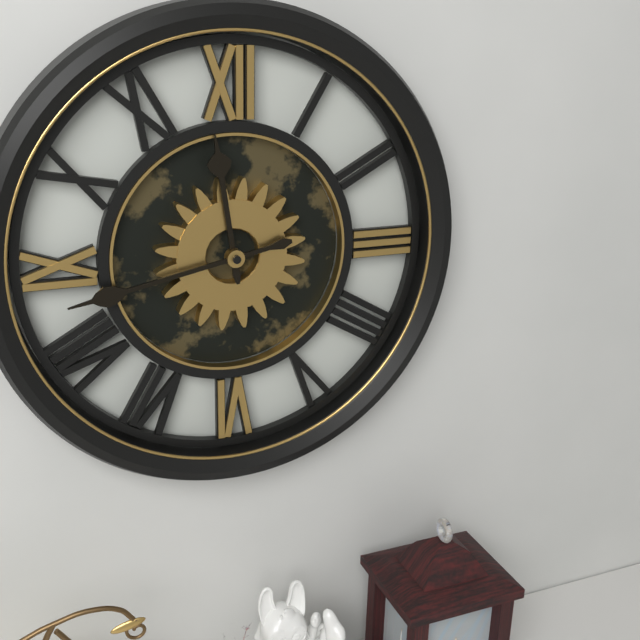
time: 11:43
